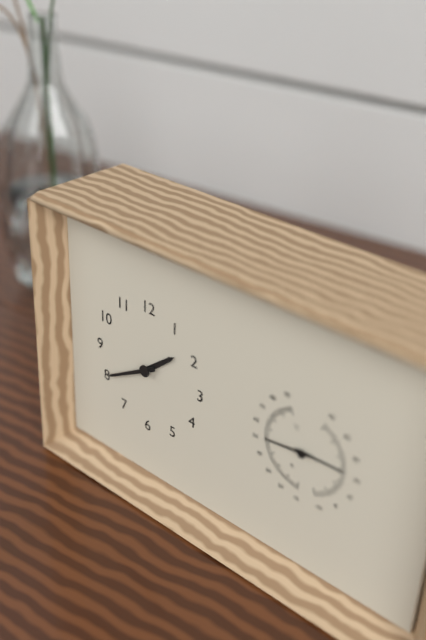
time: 1:40
